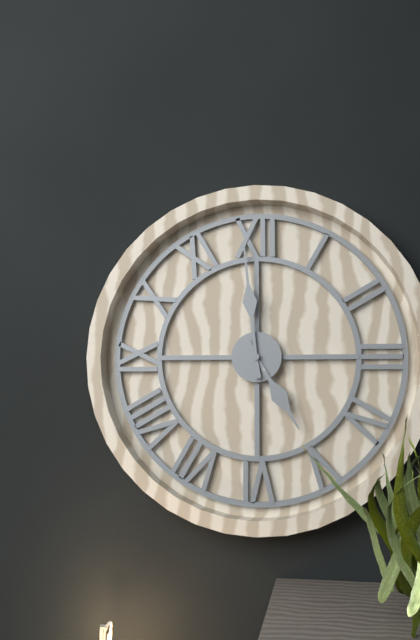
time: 4:59
